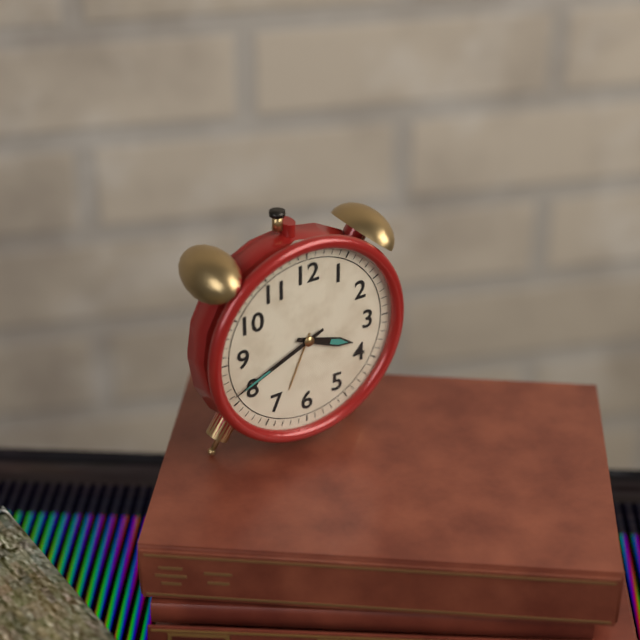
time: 3:41
